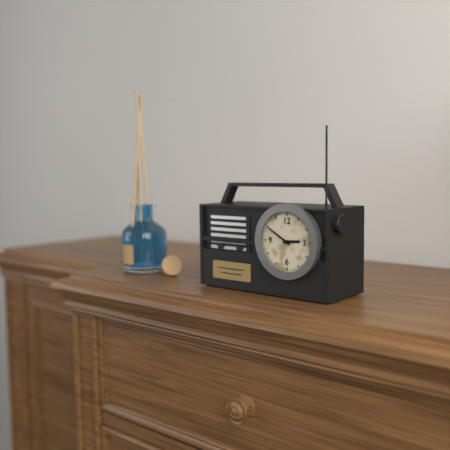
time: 2:50
